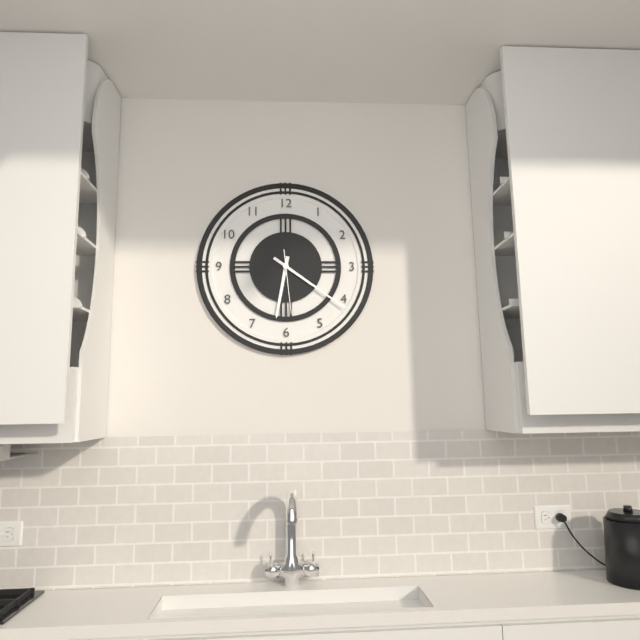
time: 6:21:29
